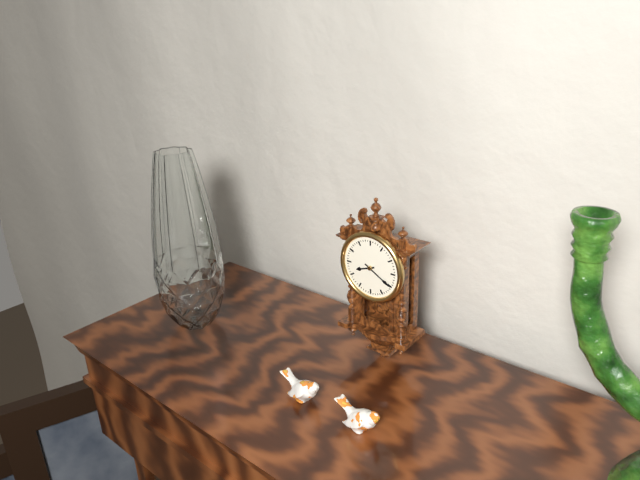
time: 8:20
